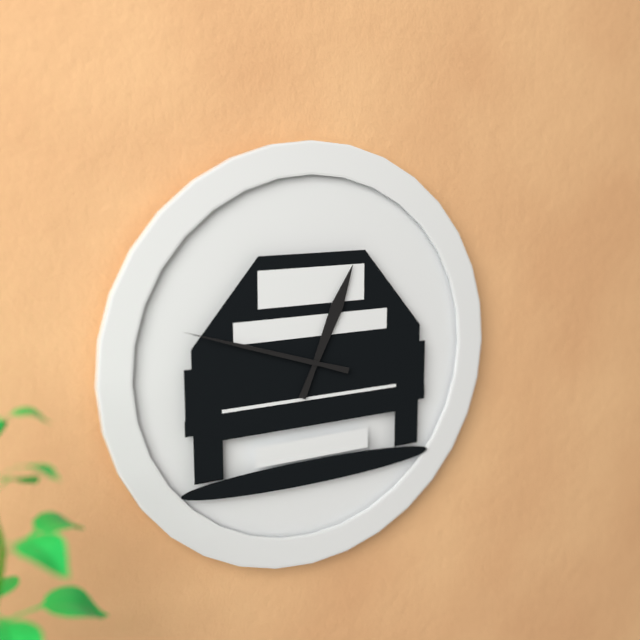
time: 12:48
